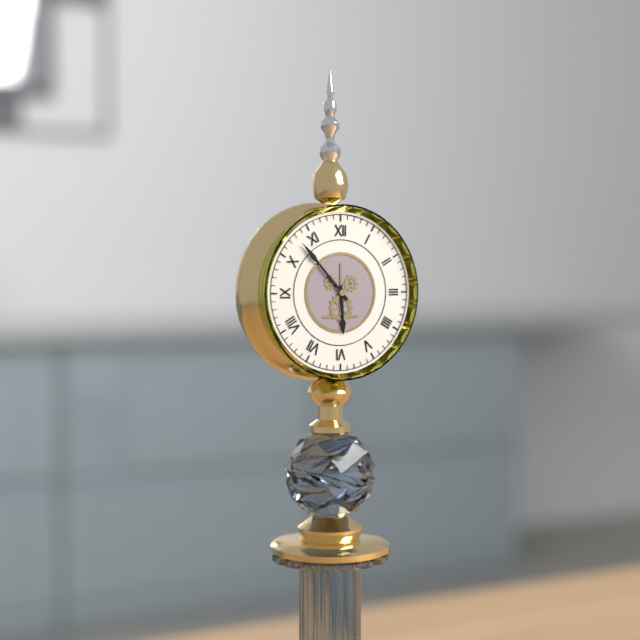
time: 5:53
